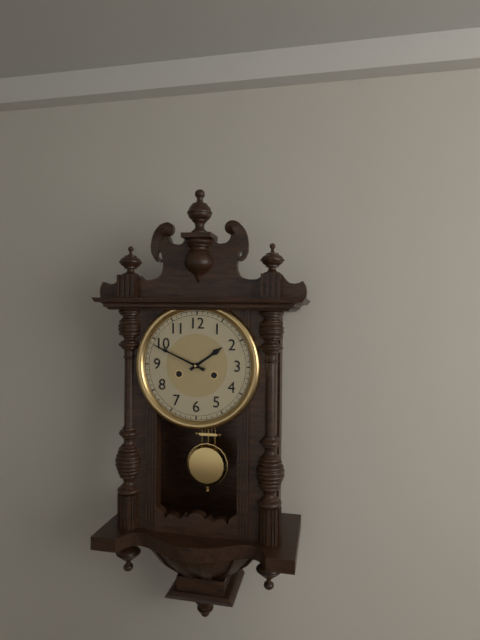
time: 1:49
